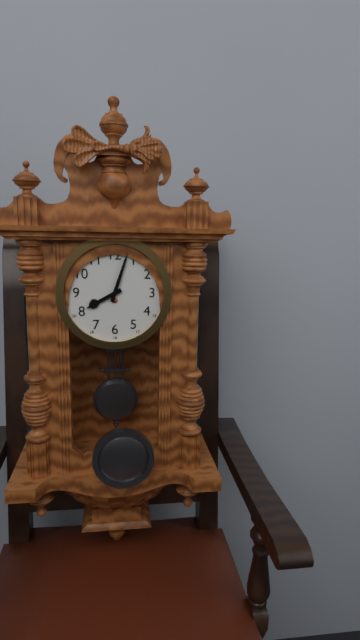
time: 8:03
